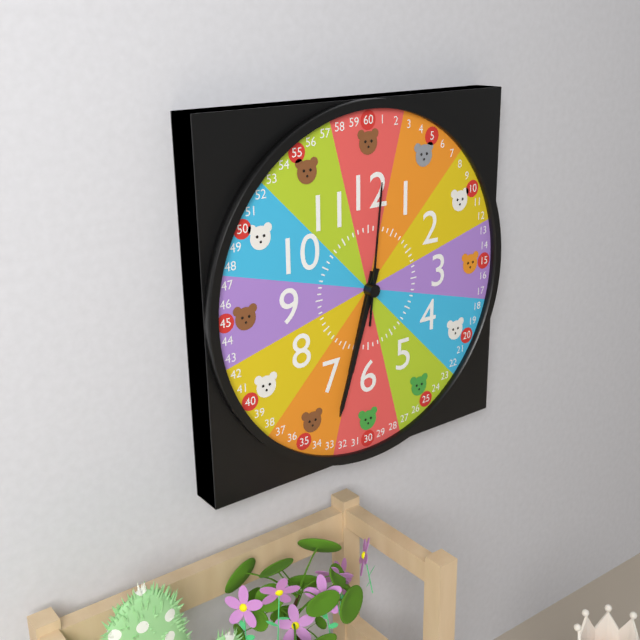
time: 6:33:01
